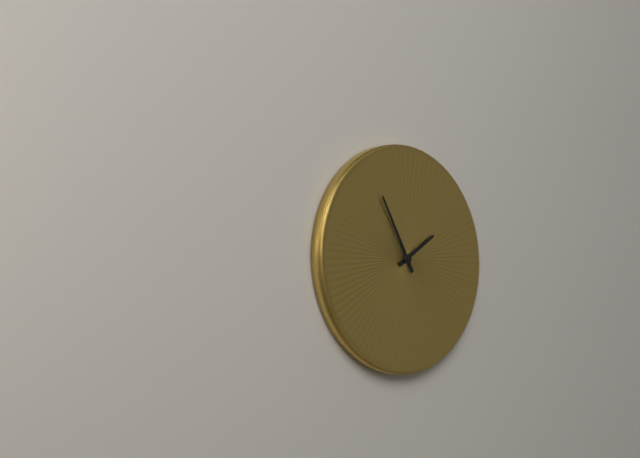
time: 1:55
